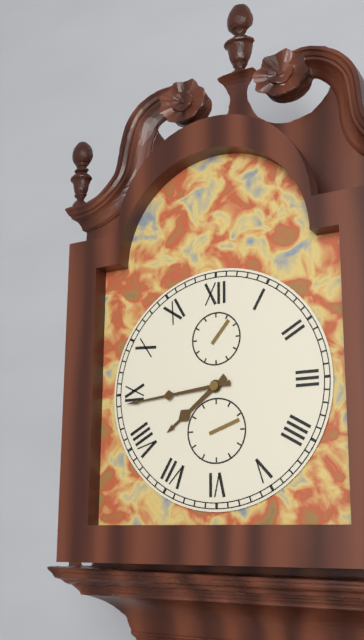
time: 7:44
